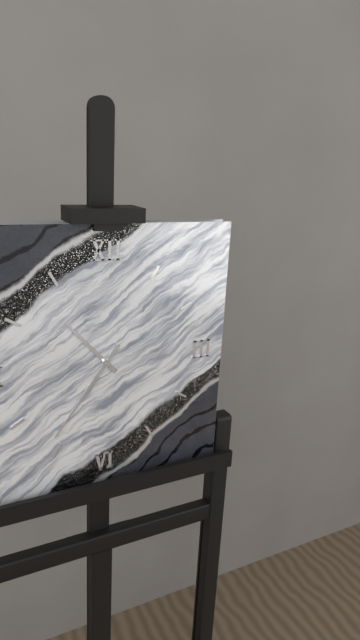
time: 10:36
